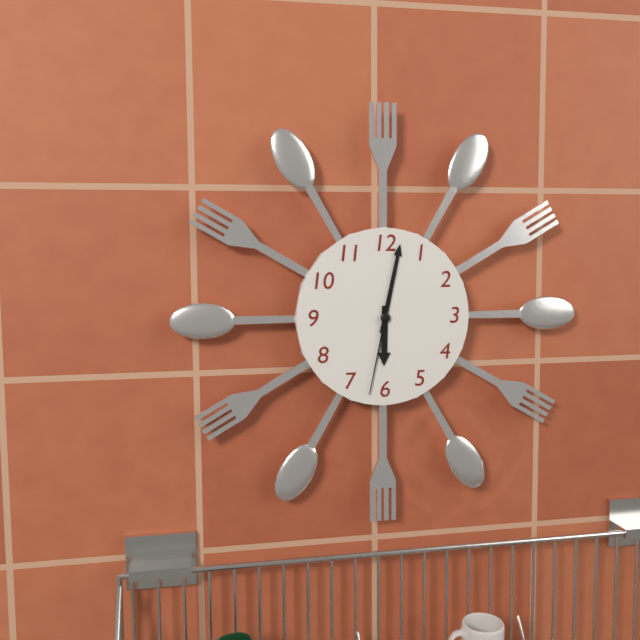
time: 6:02:32
